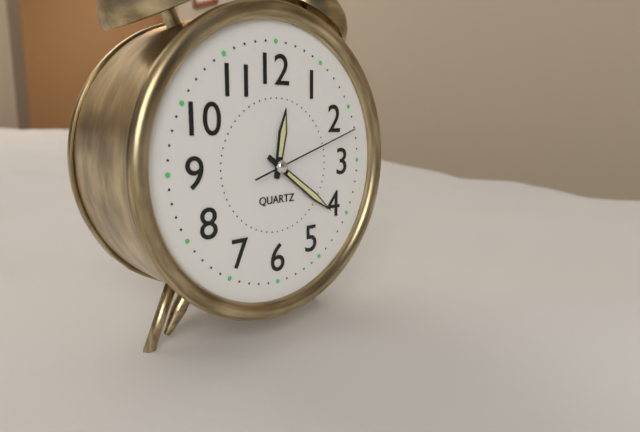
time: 12:21:12
